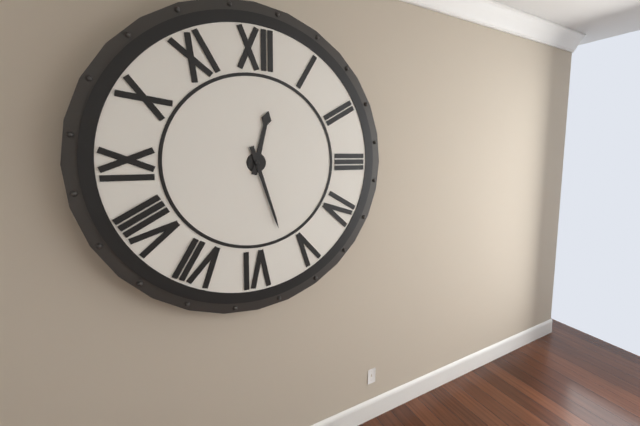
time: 12:27
